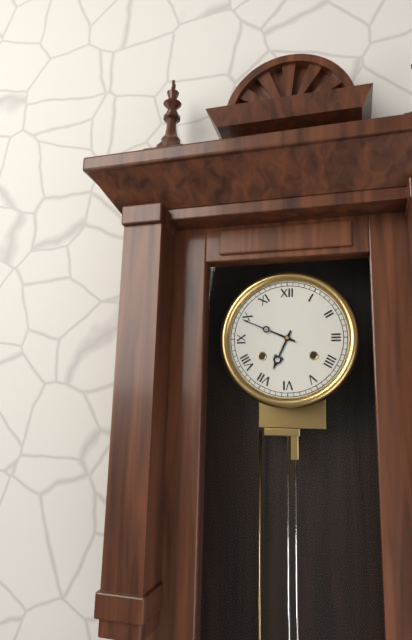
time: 6:49
